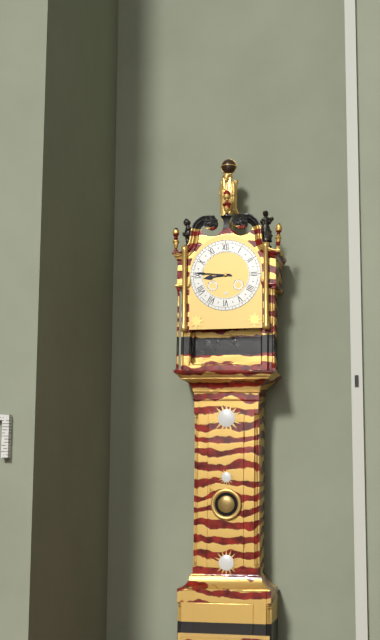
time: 8:46
